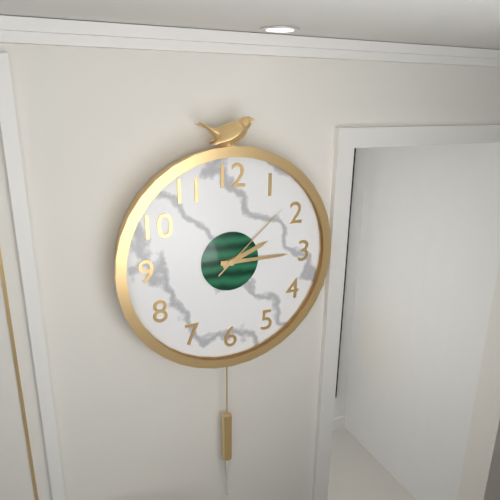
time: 2:15:08
